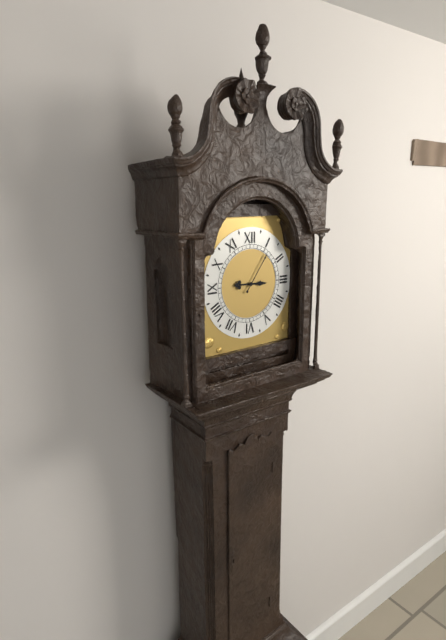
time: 3:06
